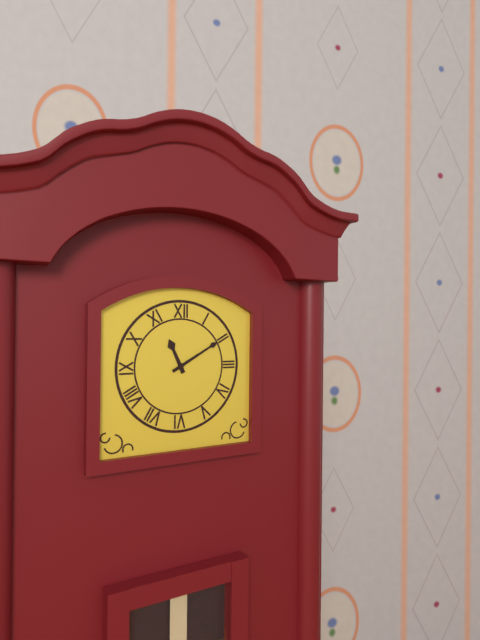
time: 11:10
